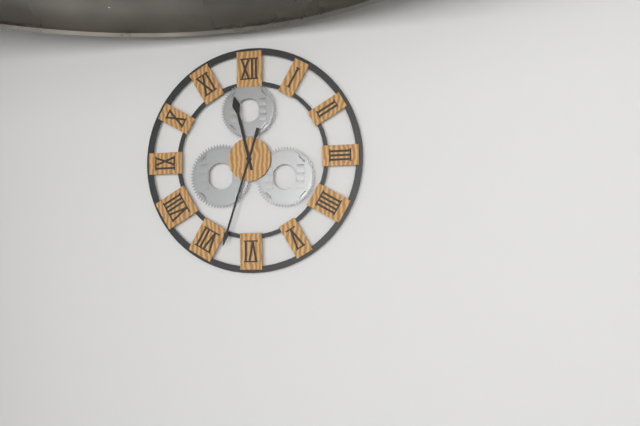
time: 11:33
